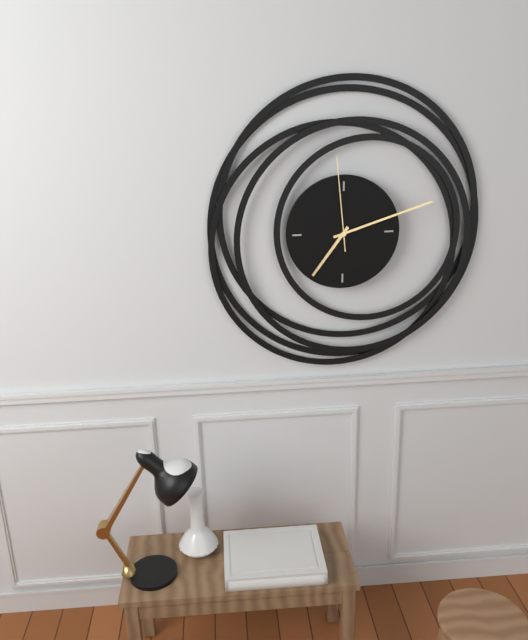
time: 7:12:59
